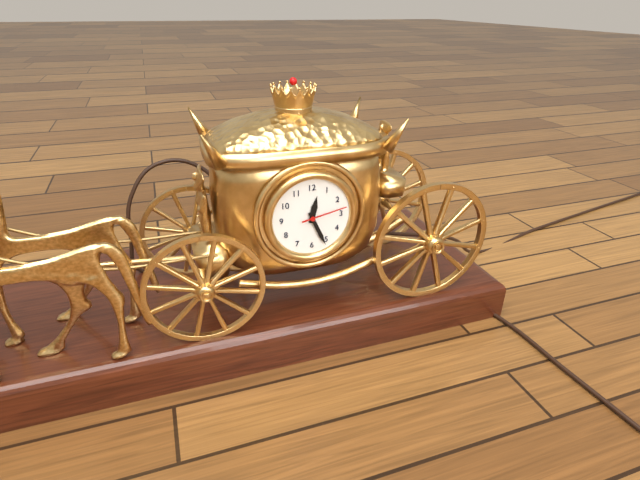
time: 12:26
